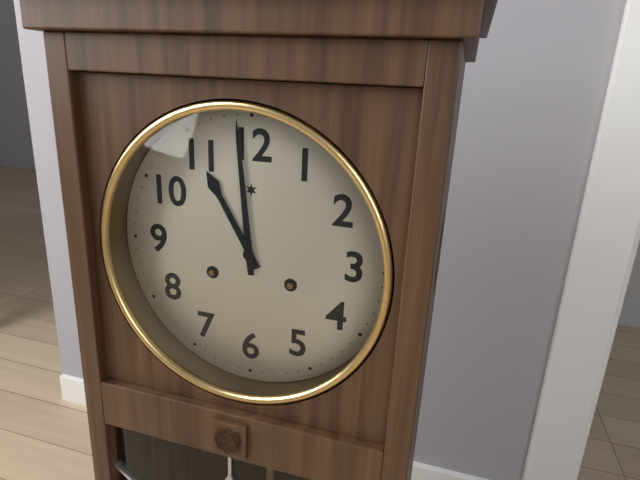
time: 10:59
